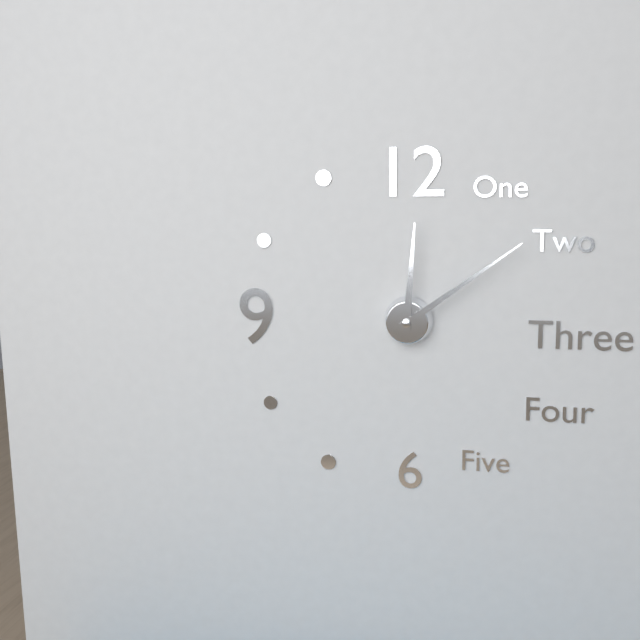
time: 12:09
